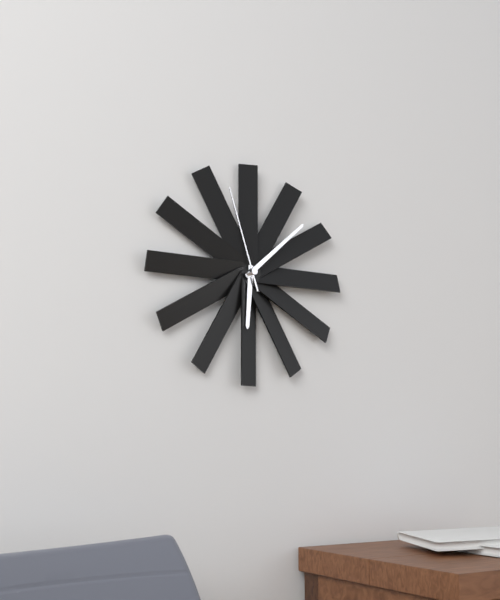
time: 6:08:57
